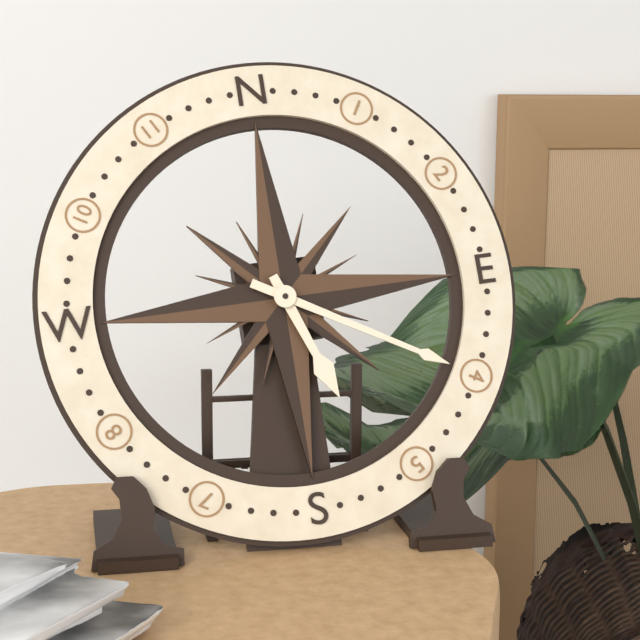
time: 5:20
